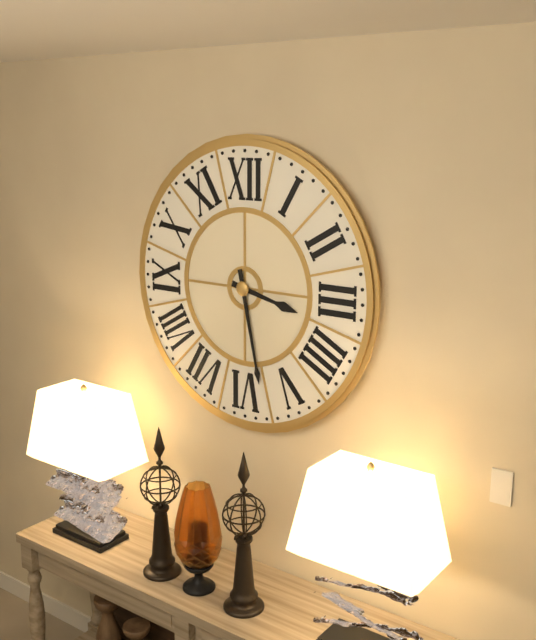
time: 3:28
